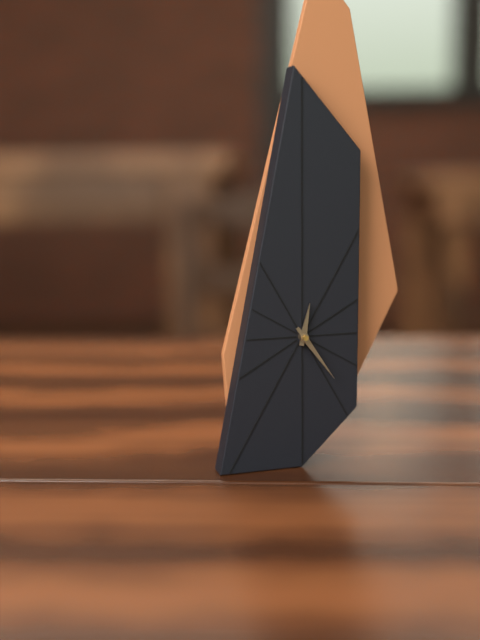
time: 12:24
